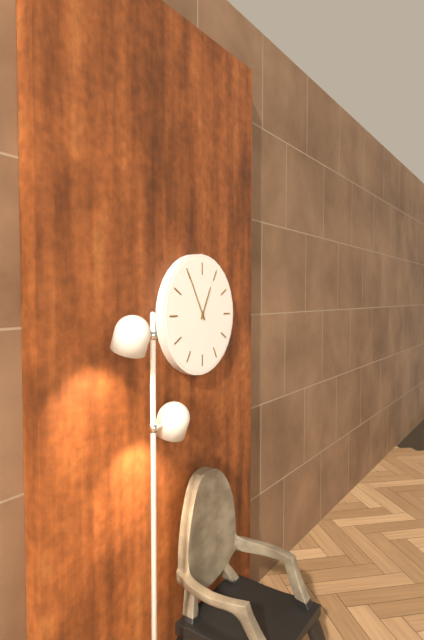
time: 12:55
